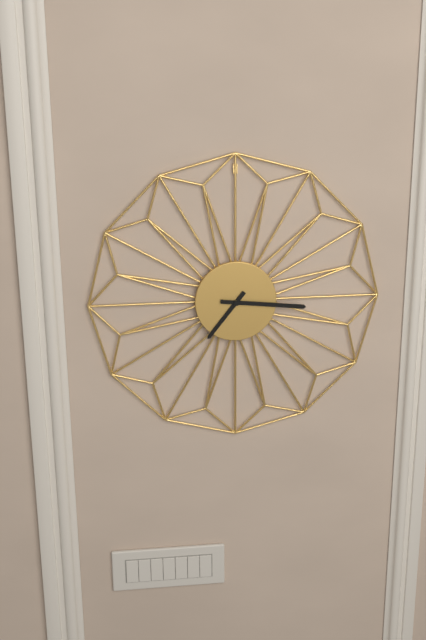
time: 7:16
